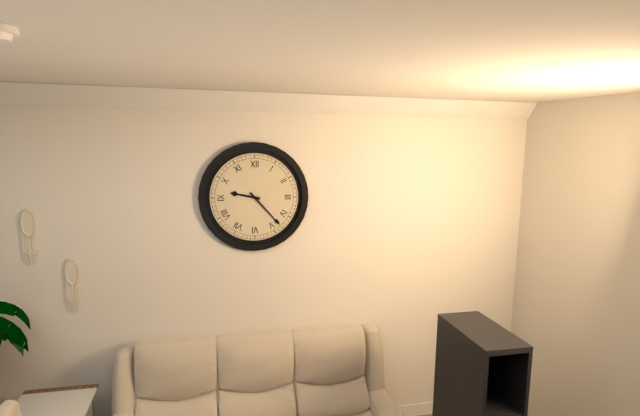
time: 9:23
